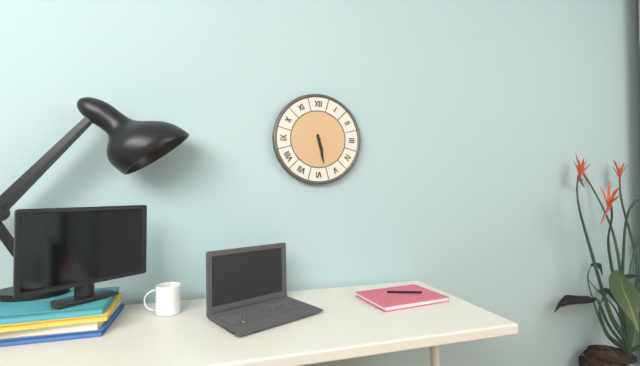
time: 5:28
